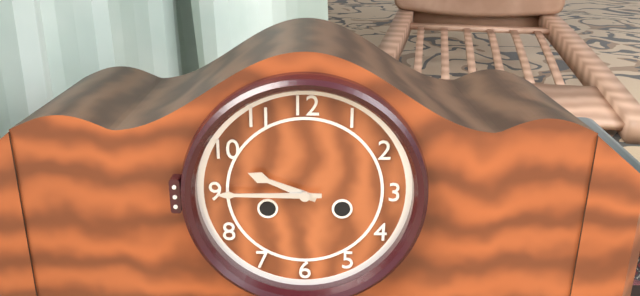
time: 9:45
